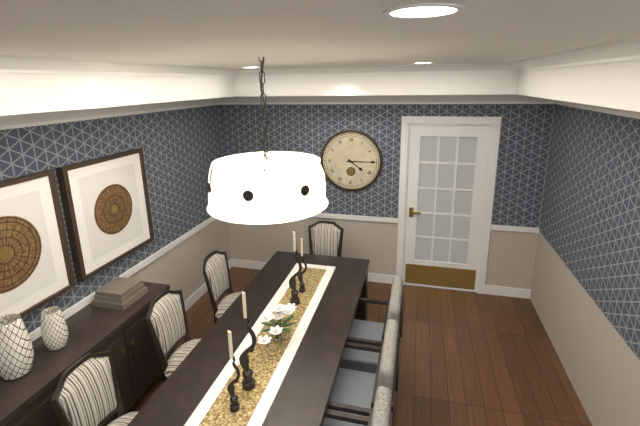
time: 4:15
